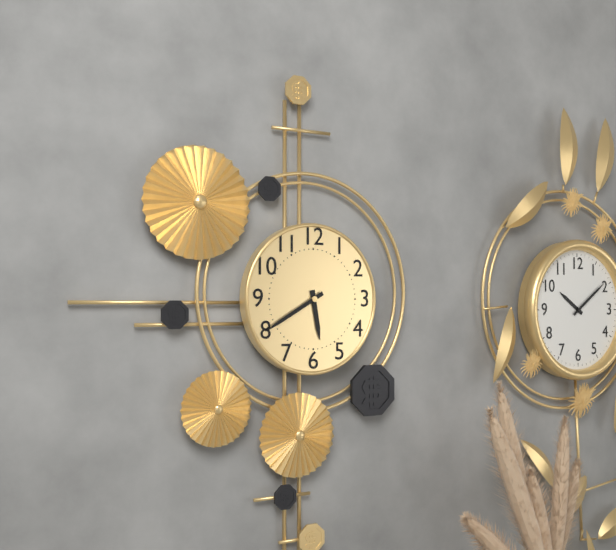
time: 5:40
